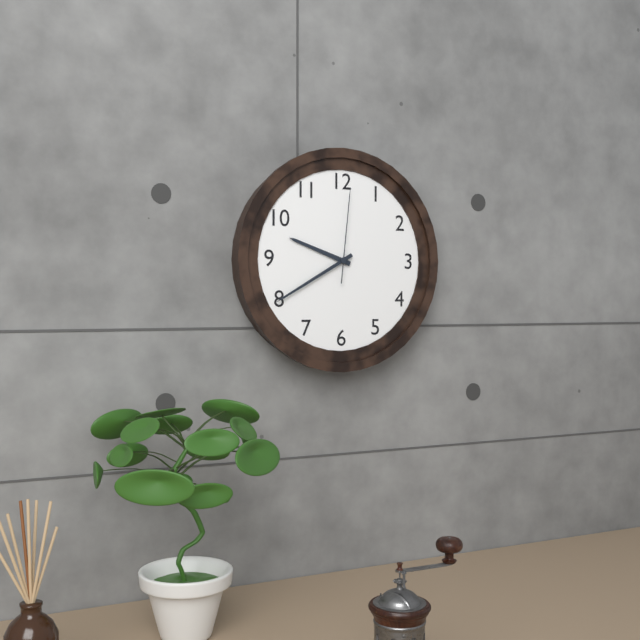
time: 9:40:01
